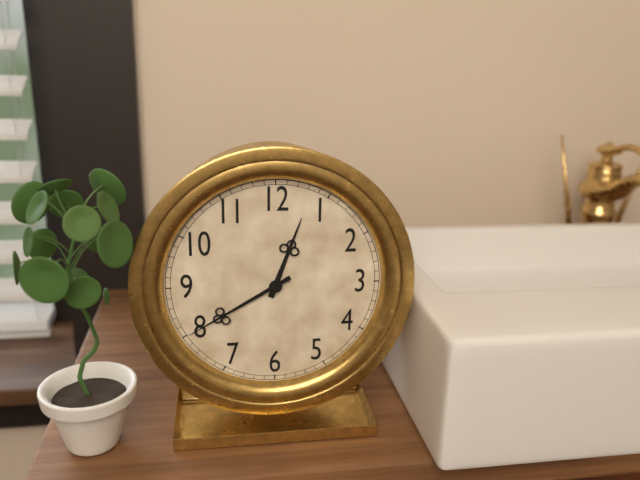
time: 12:40
